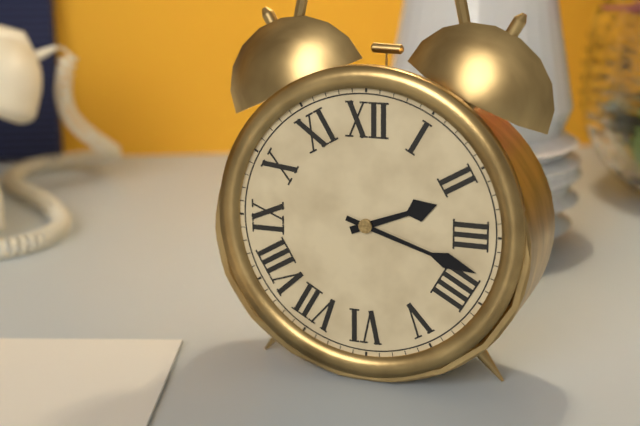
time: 2:18
